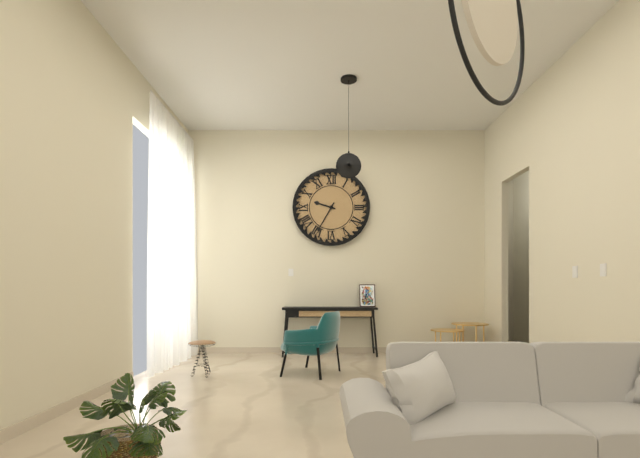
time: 9:35
